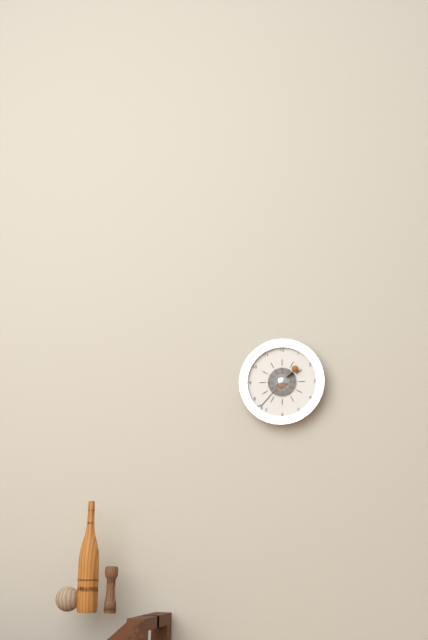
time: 1:37
